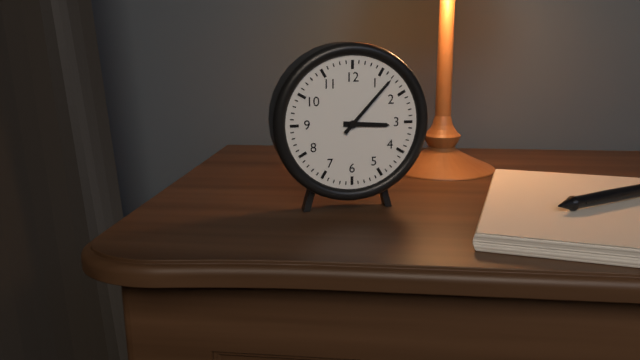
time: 3:07
